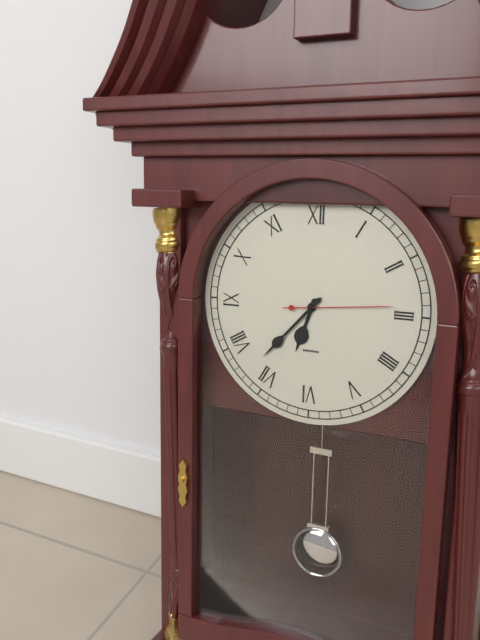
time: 6:37:14
